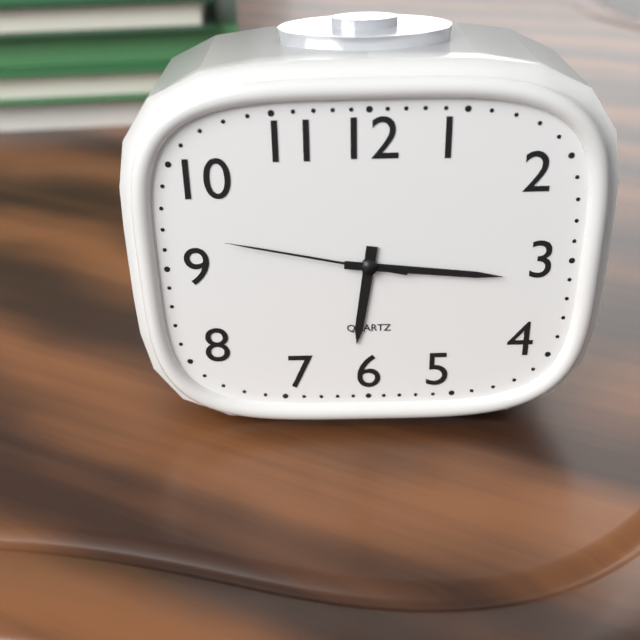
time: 6:16:47
